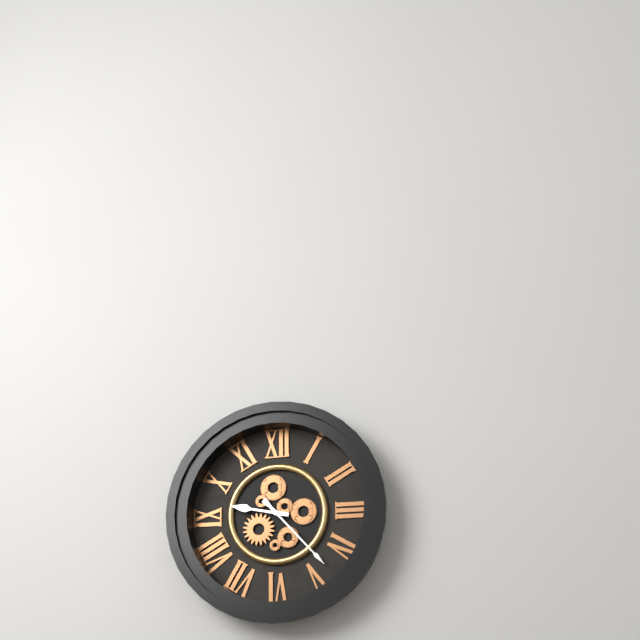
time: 9:23
